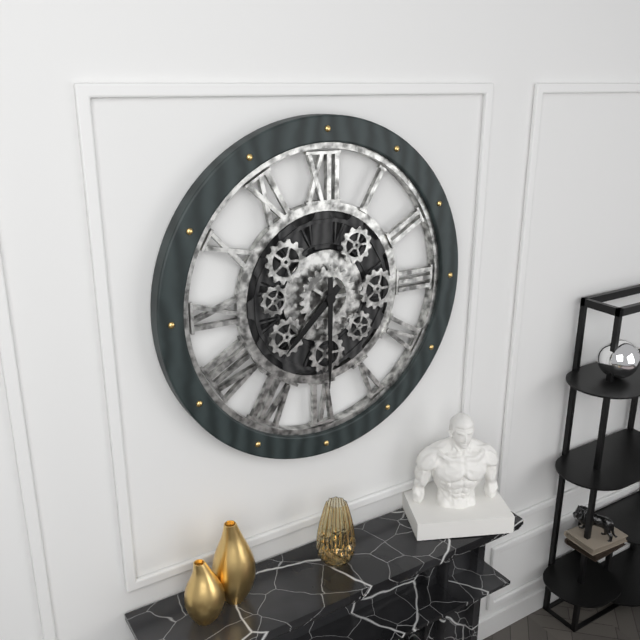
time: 7:30
